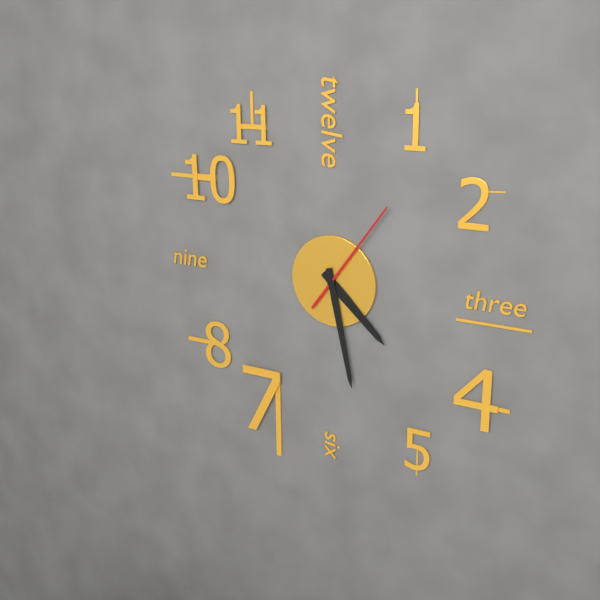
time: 4:28:06
